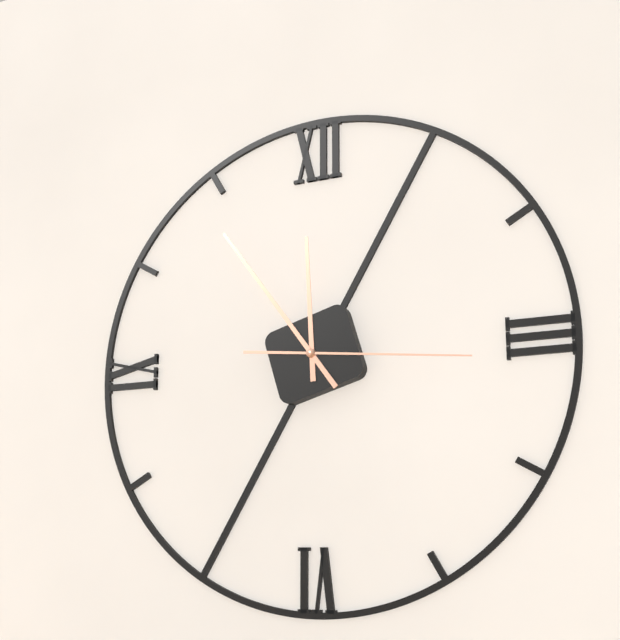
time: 11:54:16
